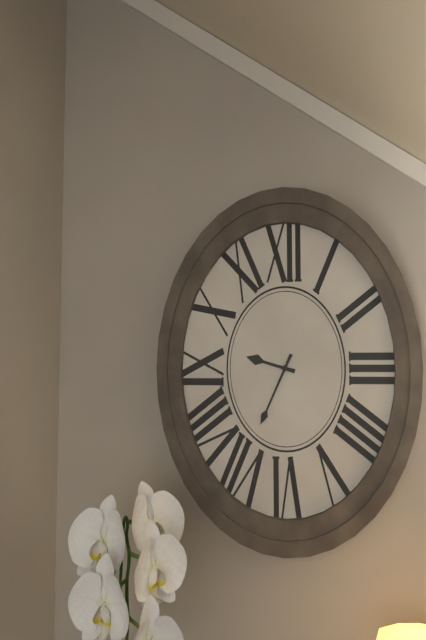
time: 9:34
